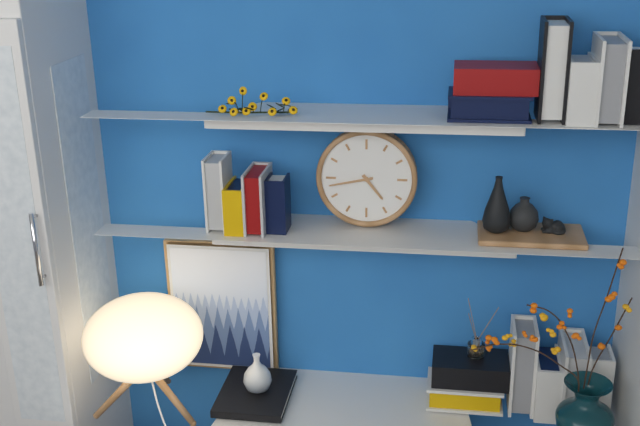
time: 4:43
